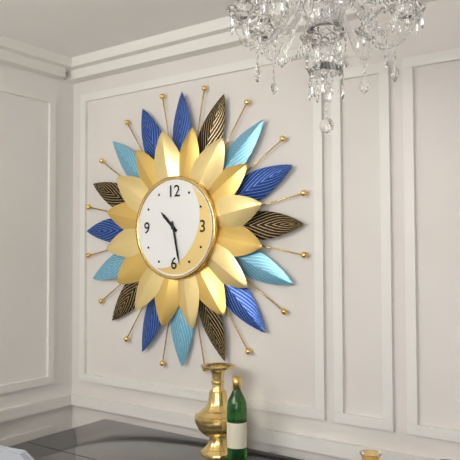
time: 10:28
